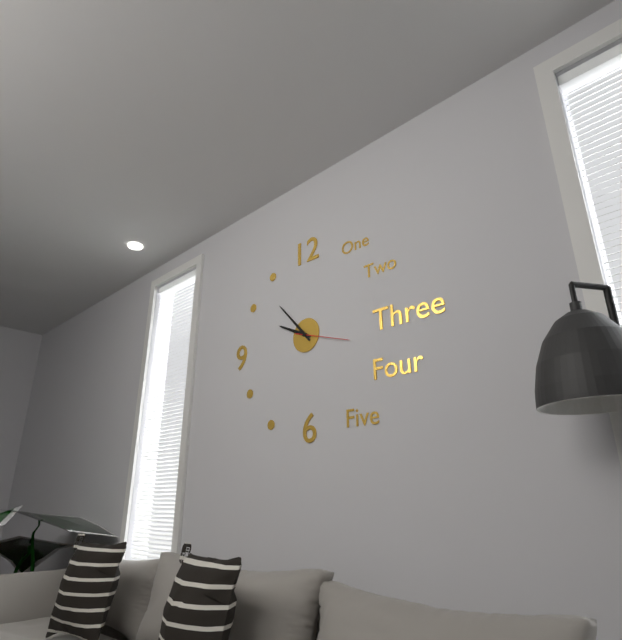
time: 9:53:18
